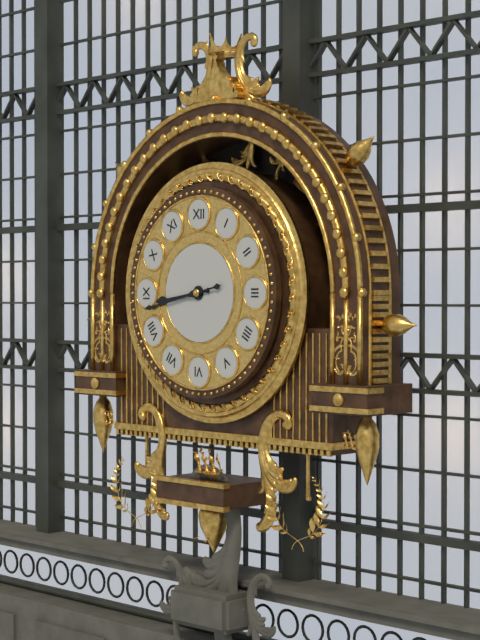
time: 8:43
